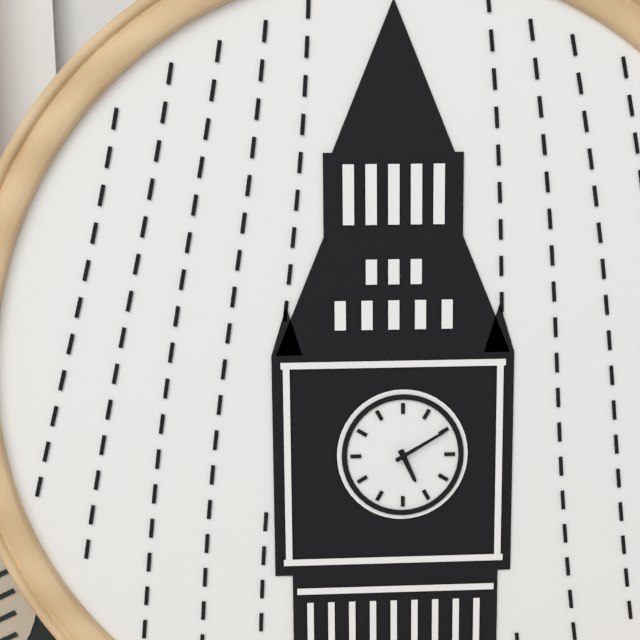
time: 5:10
